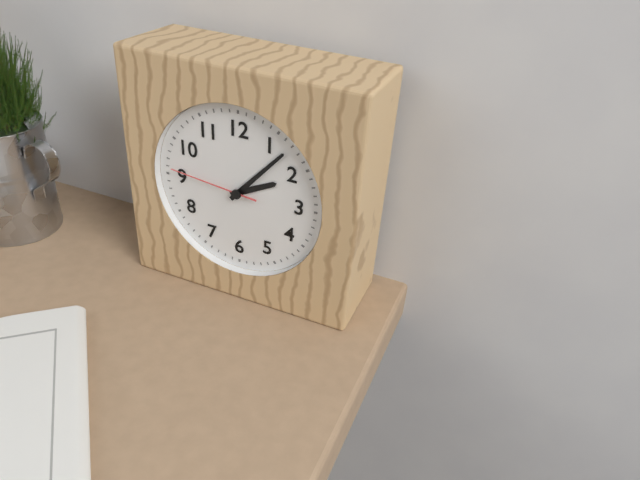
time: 2:07:46
